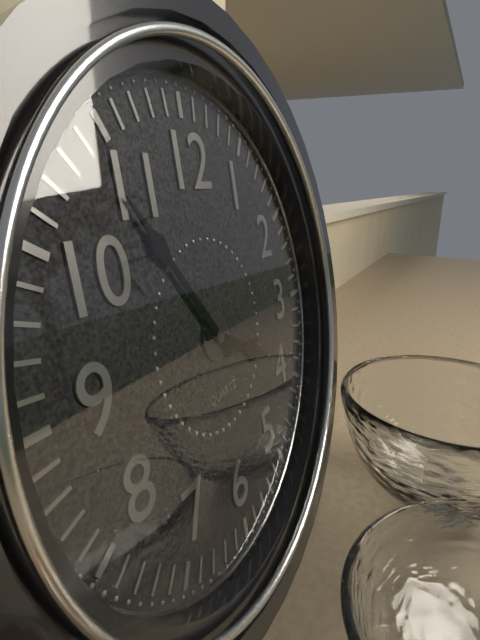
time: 3:54
